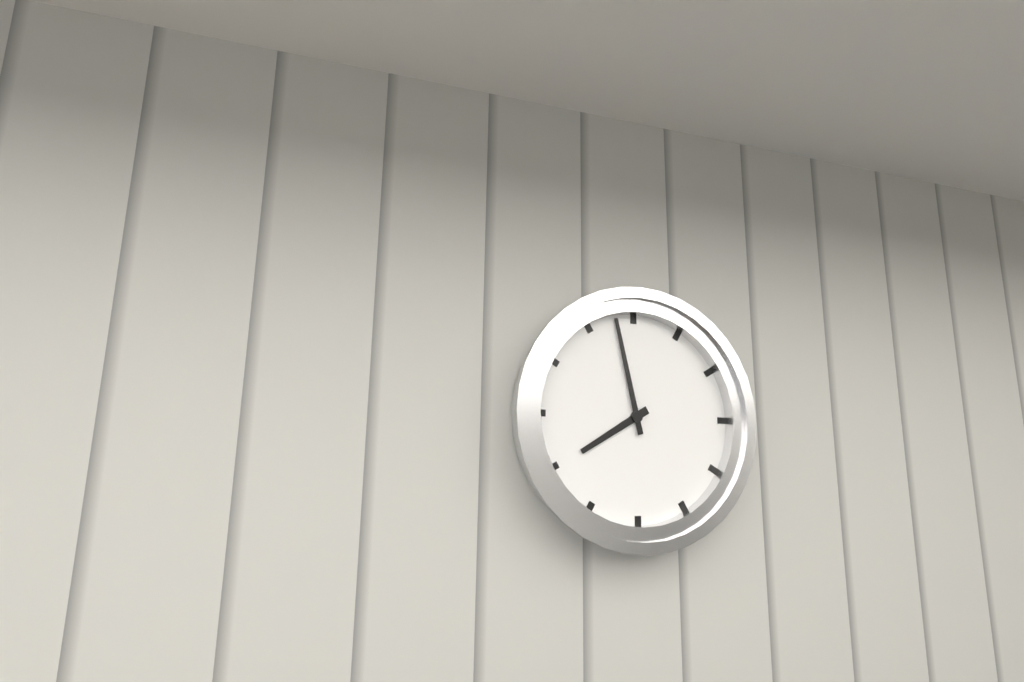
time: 7:58
